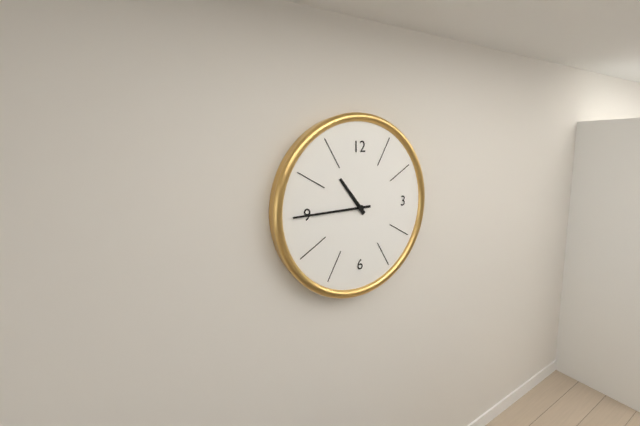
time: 10:45
